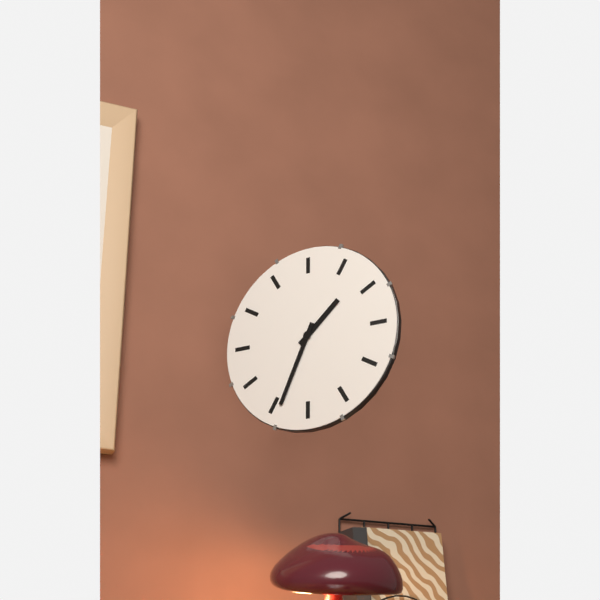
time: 1:34
